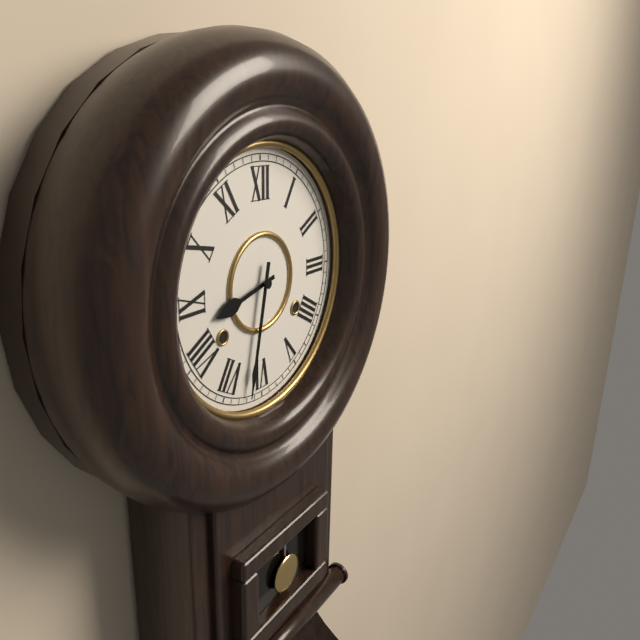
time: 8:32
